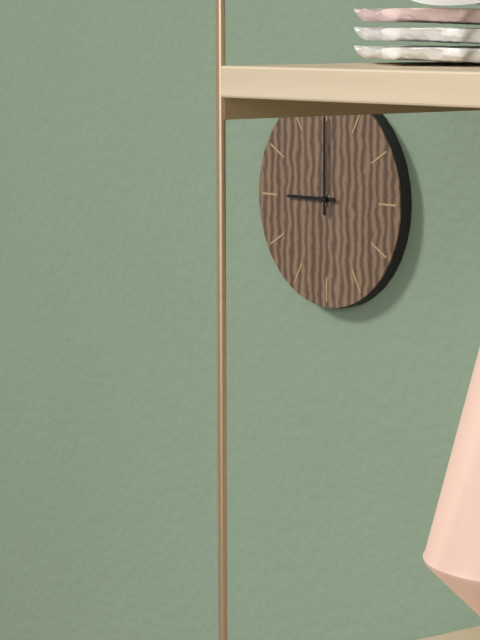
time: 9:00
